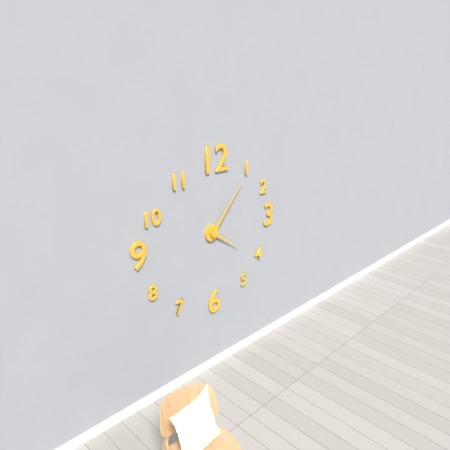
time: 4:07
